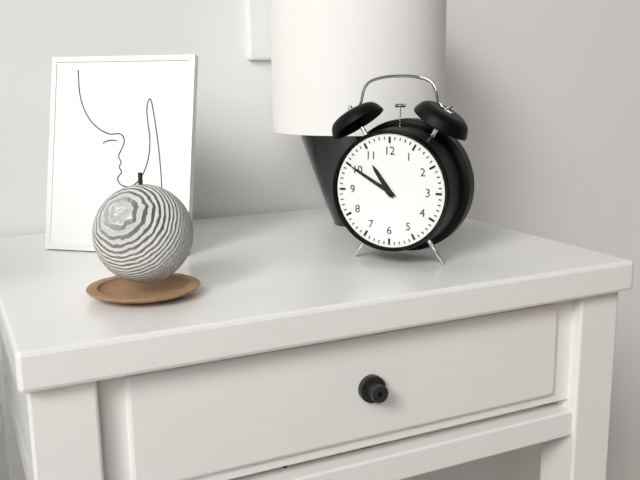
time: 10:50
